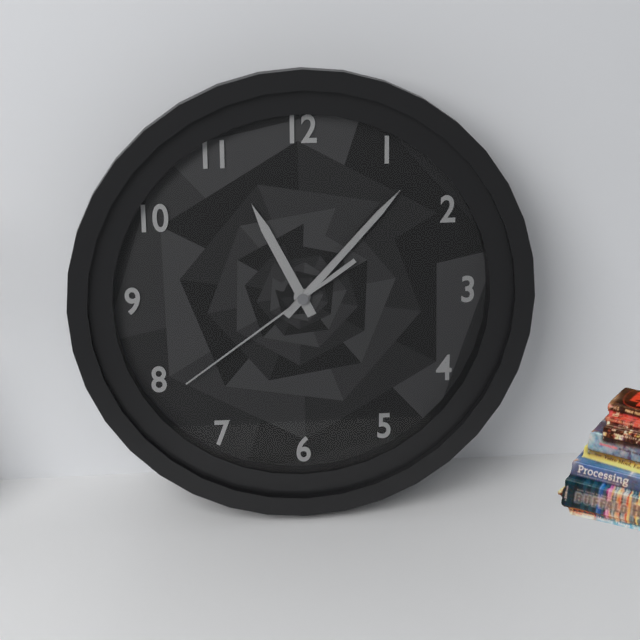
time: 11:07:39
